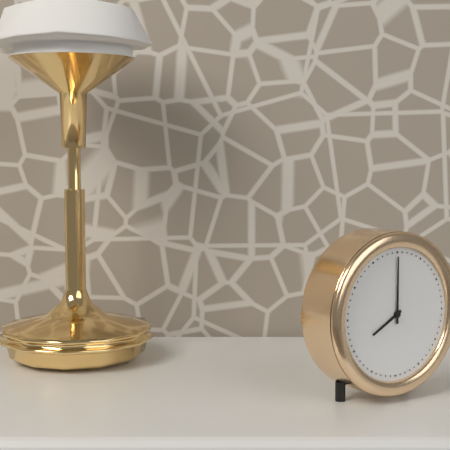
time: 8:00
